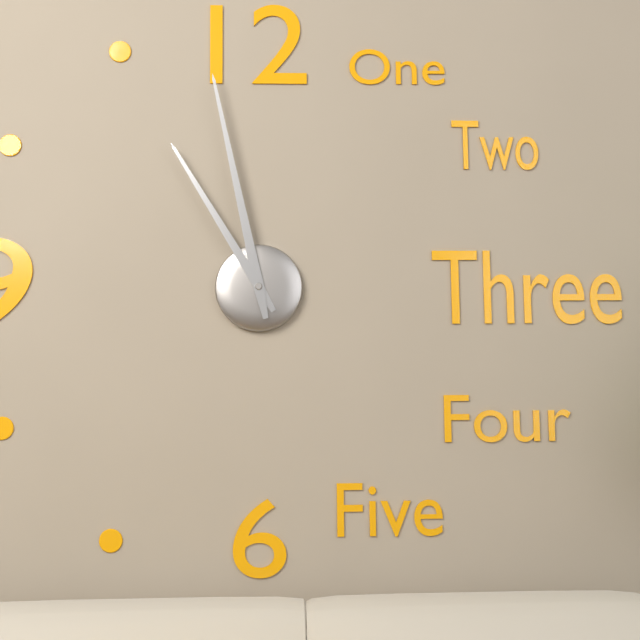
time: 10:58
